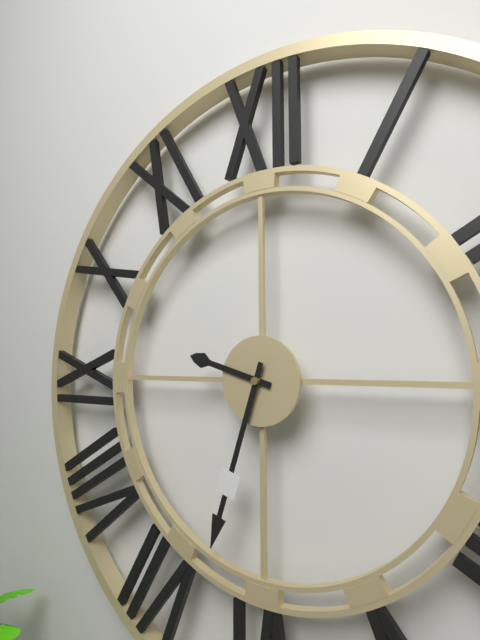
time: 9:33
